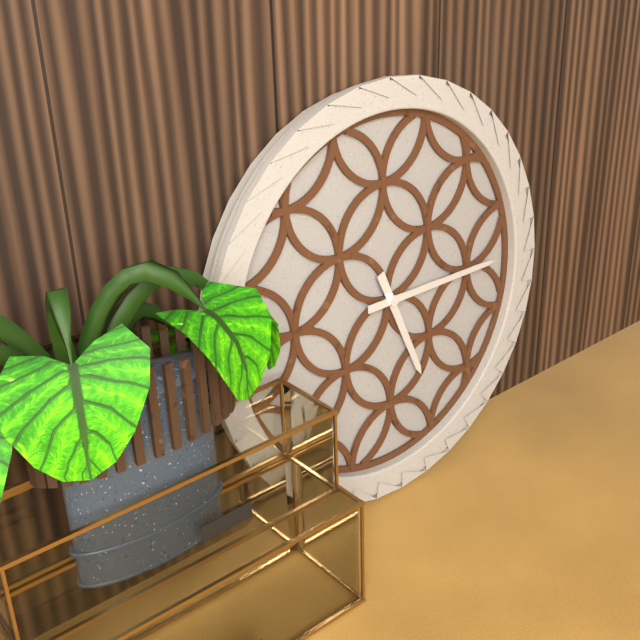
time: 5:15
